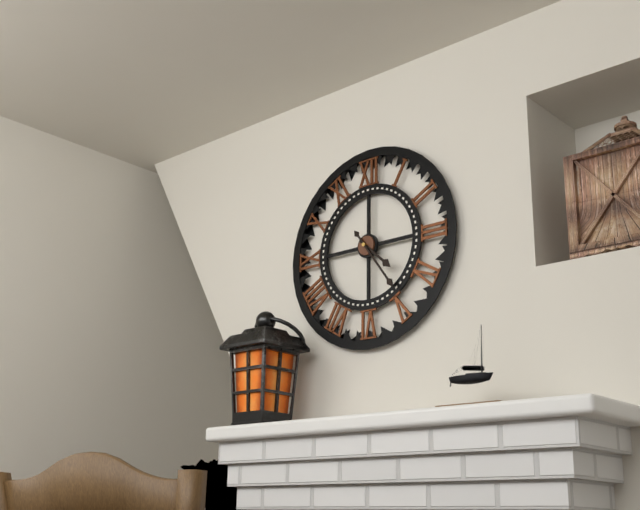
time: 4:24
